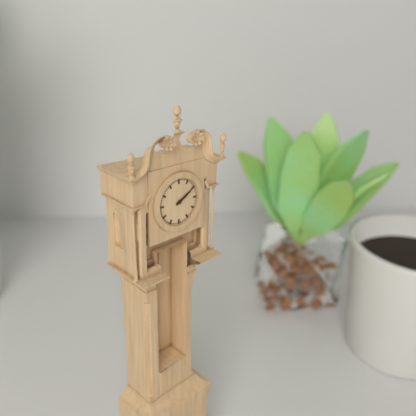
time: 2:10
